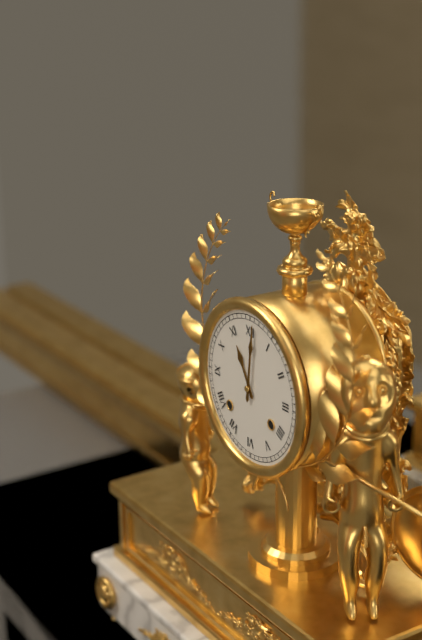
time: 11:01
